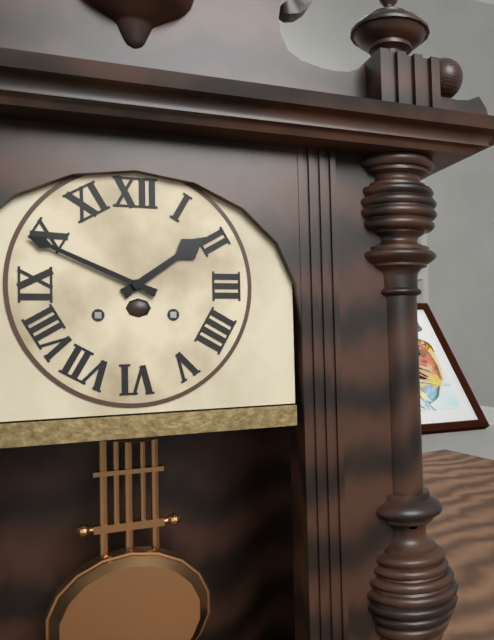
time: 1:49
